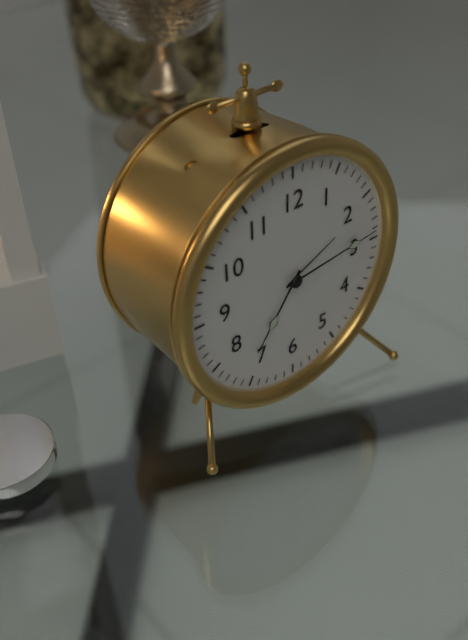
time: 7:14
